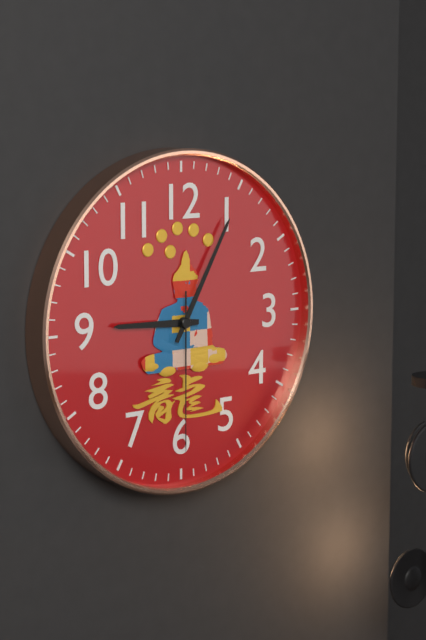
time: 9:05:30
